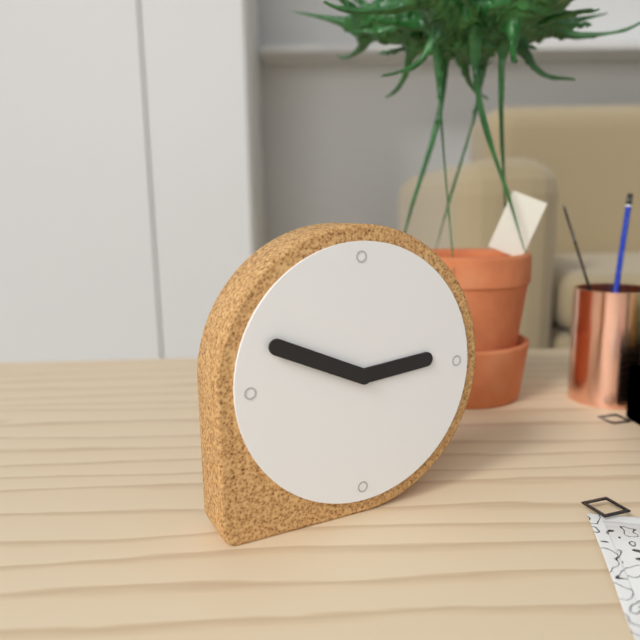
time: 2:49
